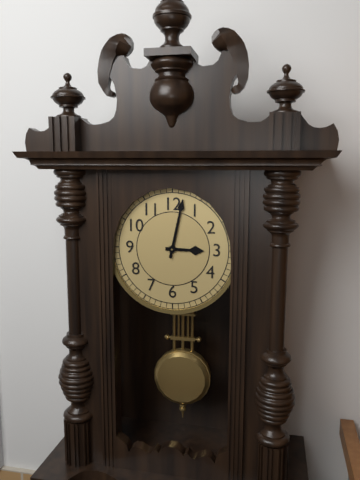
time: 3:02
